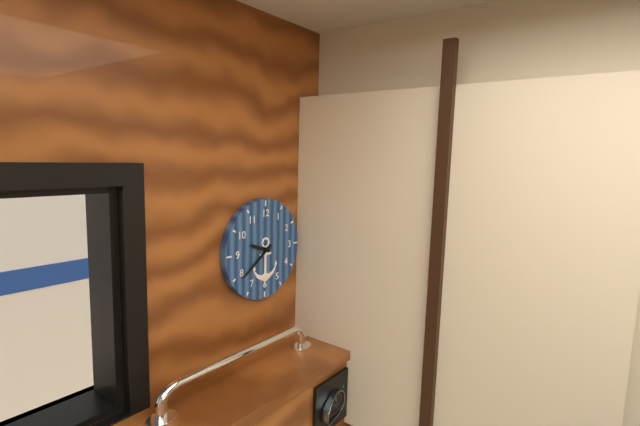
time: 9:39
